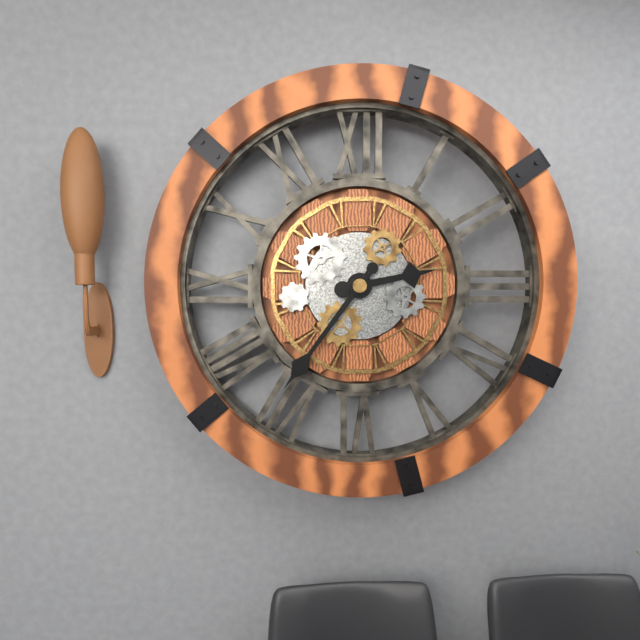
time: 2:36
